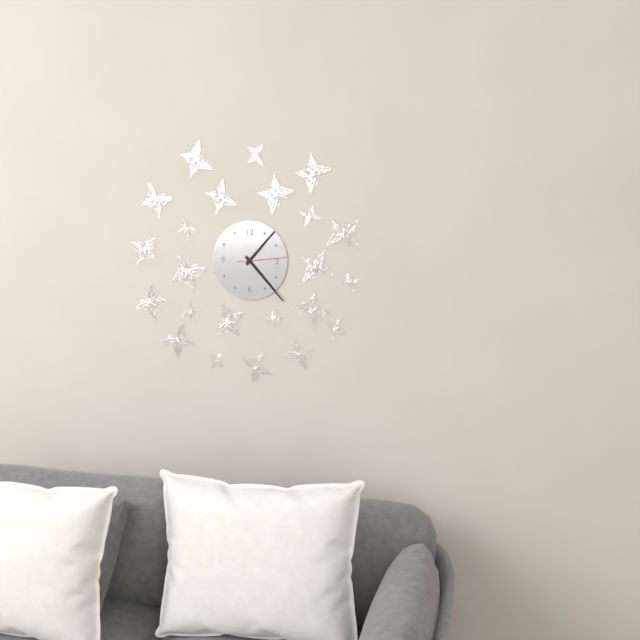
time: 1:23
